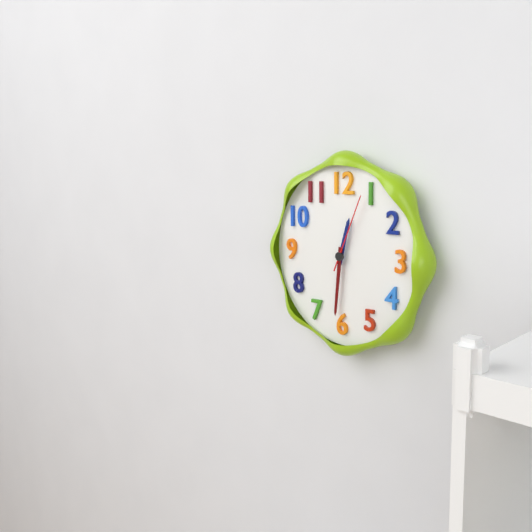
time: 12:31:04
